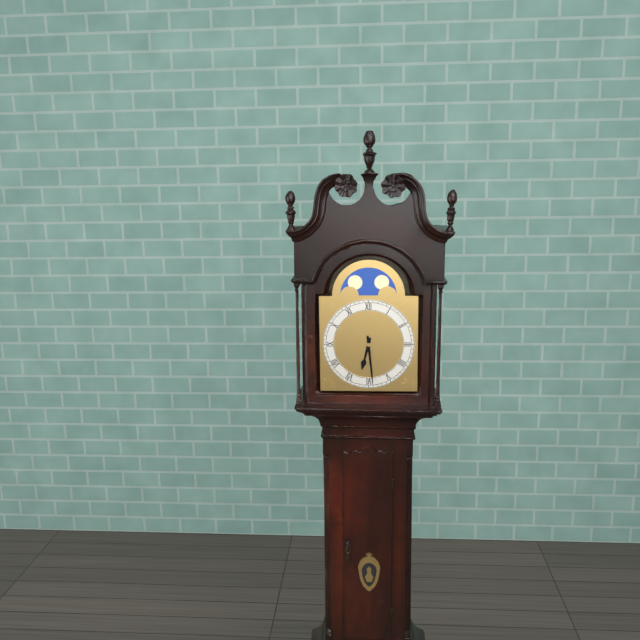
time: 6:29
